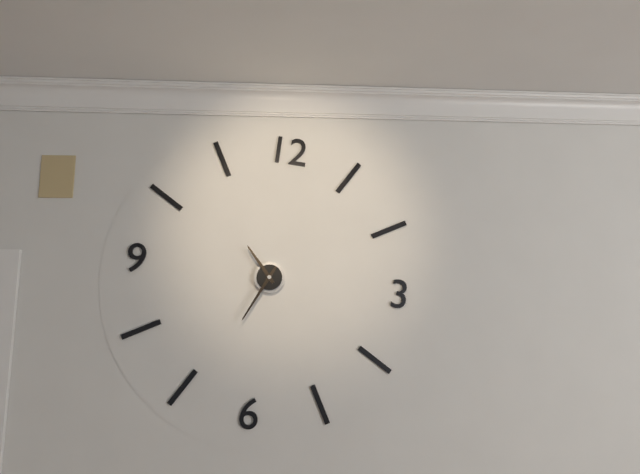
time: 10:34
